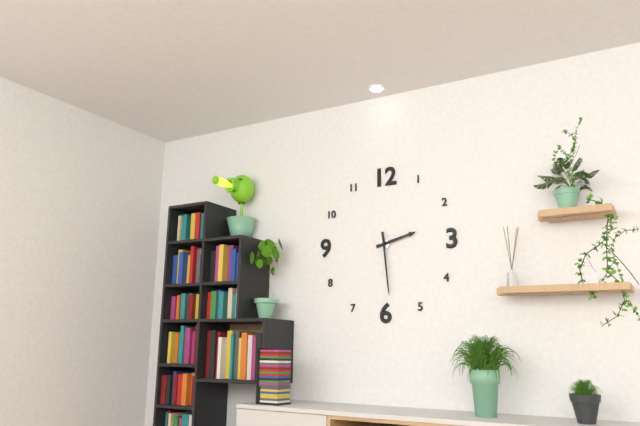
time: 2:29
